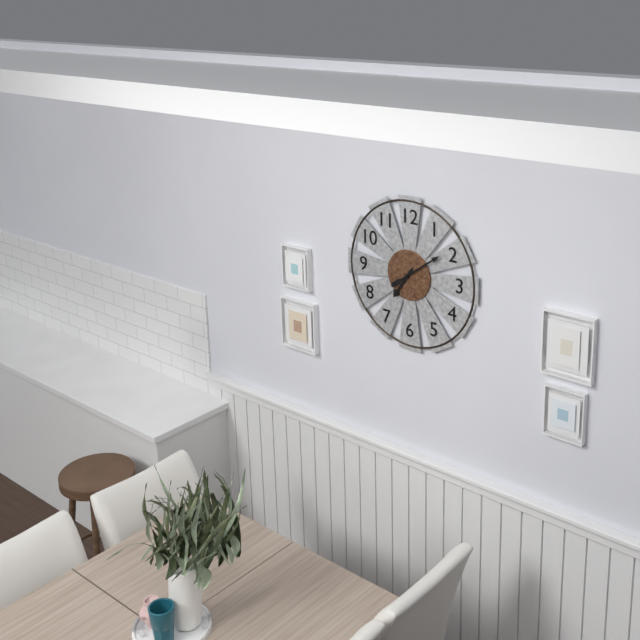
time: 7:09
